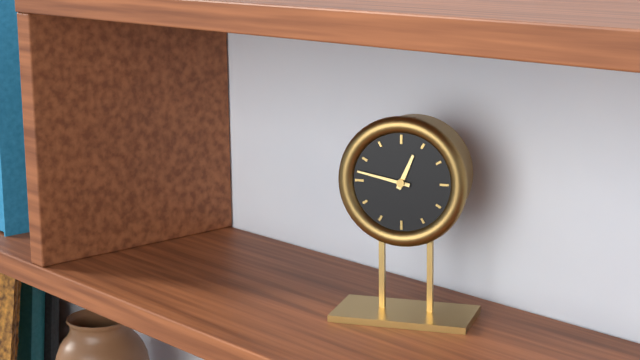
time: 12:47
